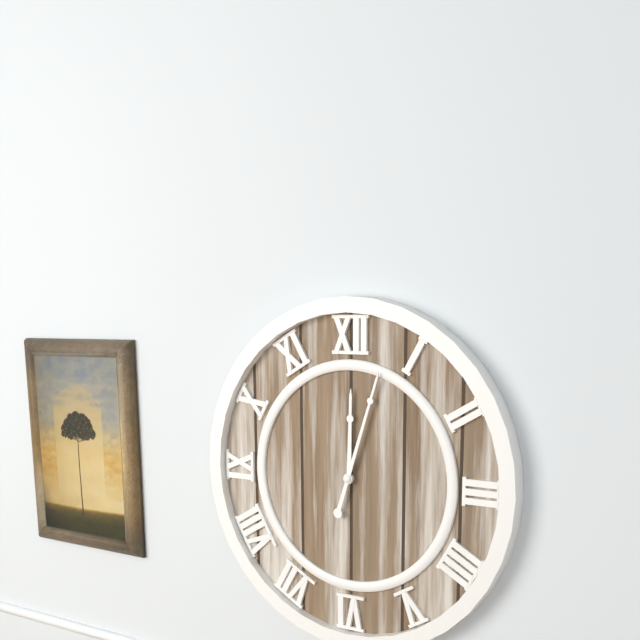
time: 12:03
